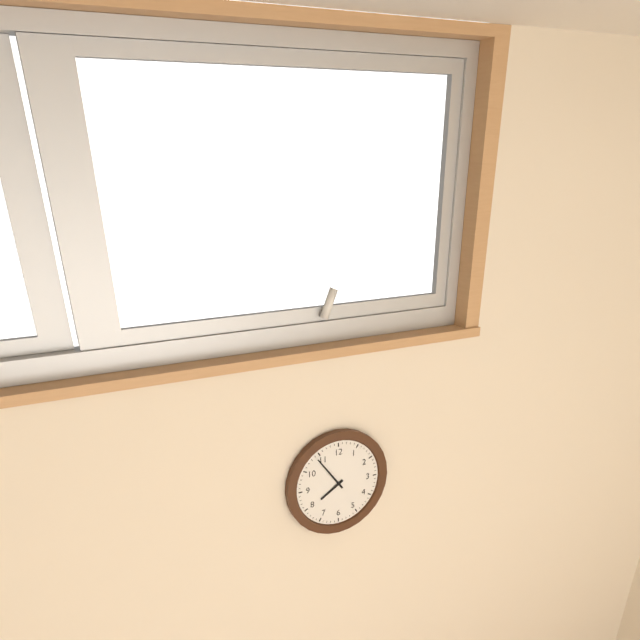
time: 7:54
